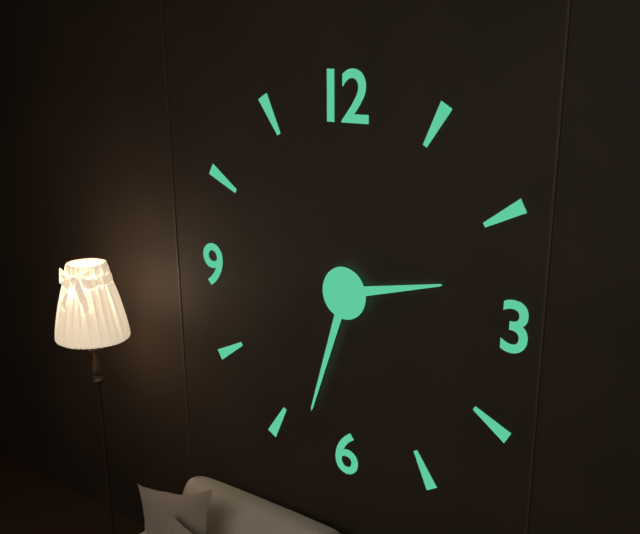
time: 2:33
